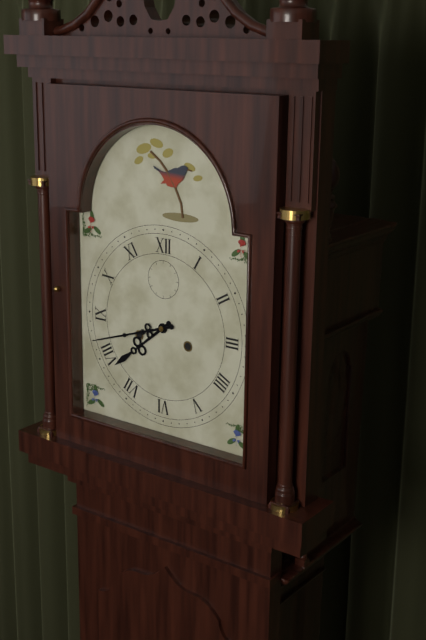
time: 7:42
